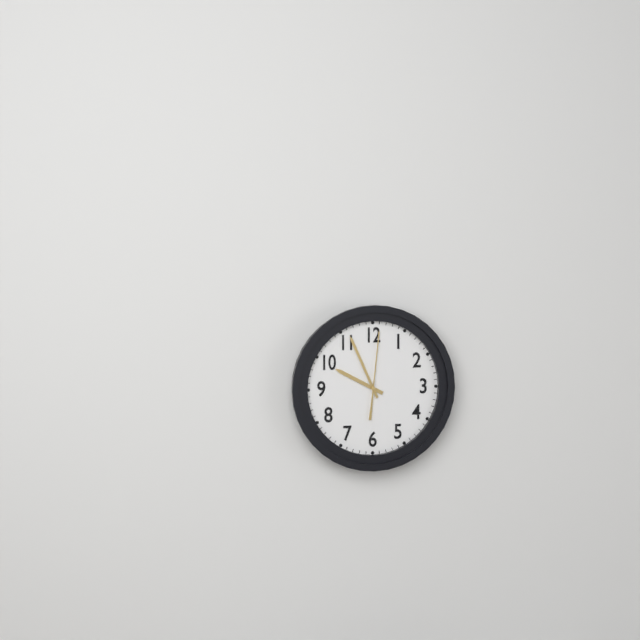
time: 9:56:01
